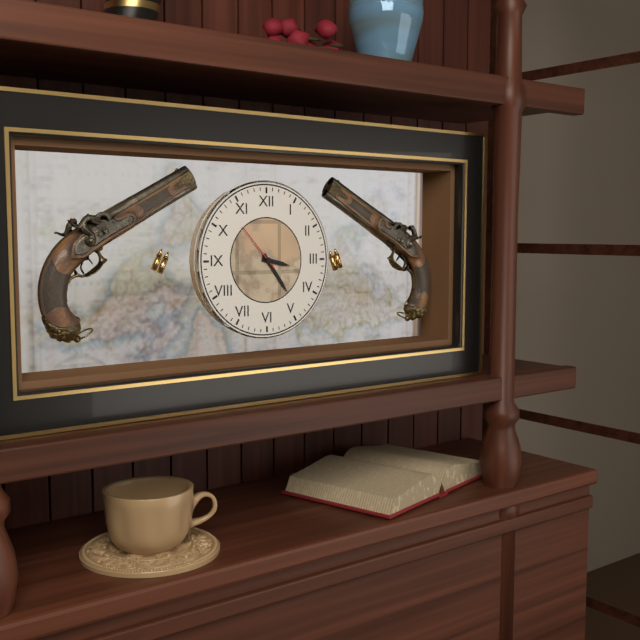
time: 3:24:53
